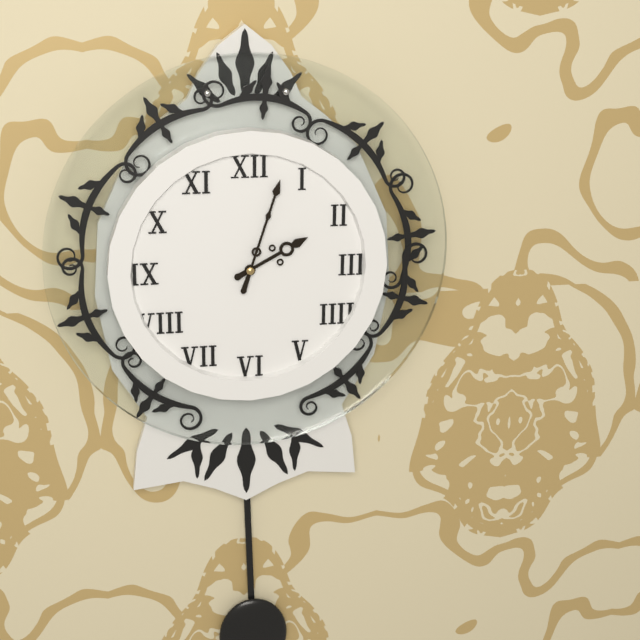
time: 2:03
